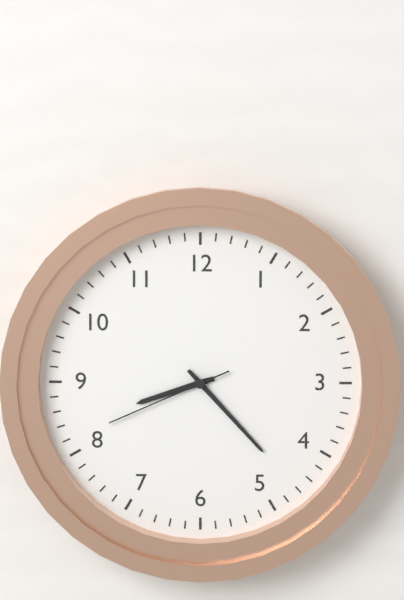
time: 8:23:41
